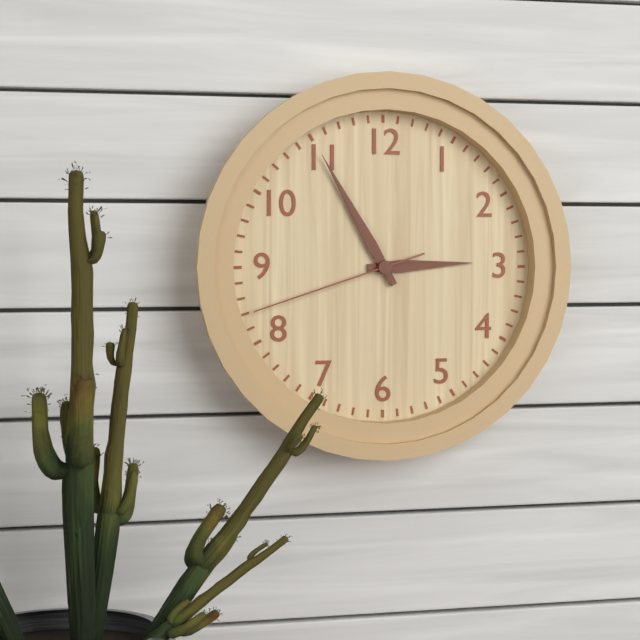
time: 2:55:42
